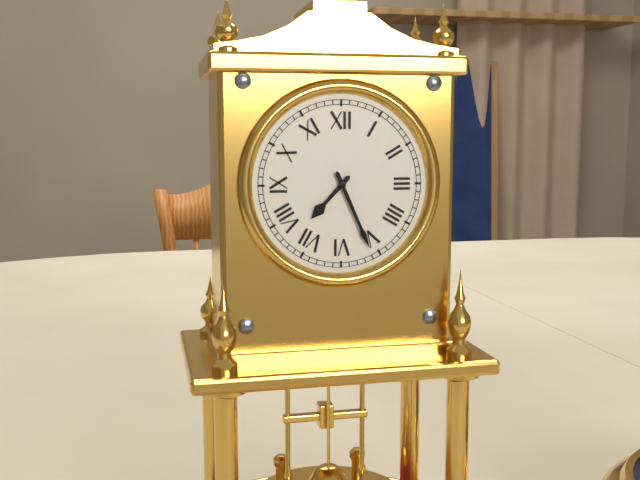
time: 7:26
